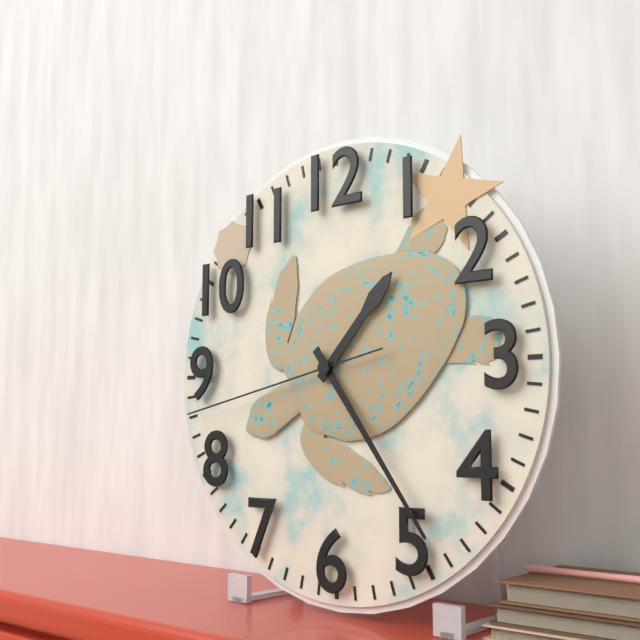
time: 1:24:43
